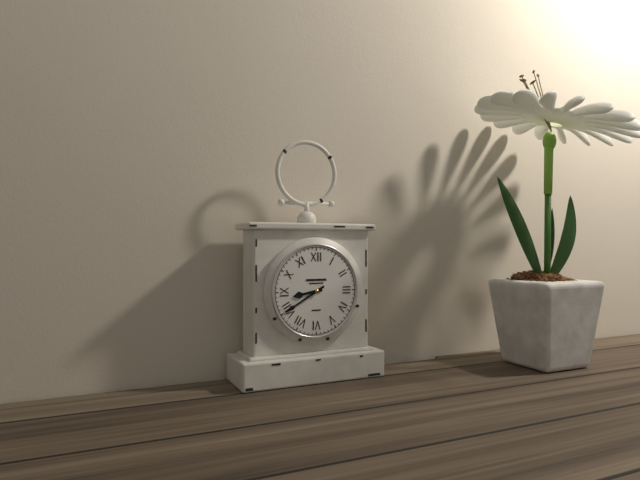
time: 8:40
